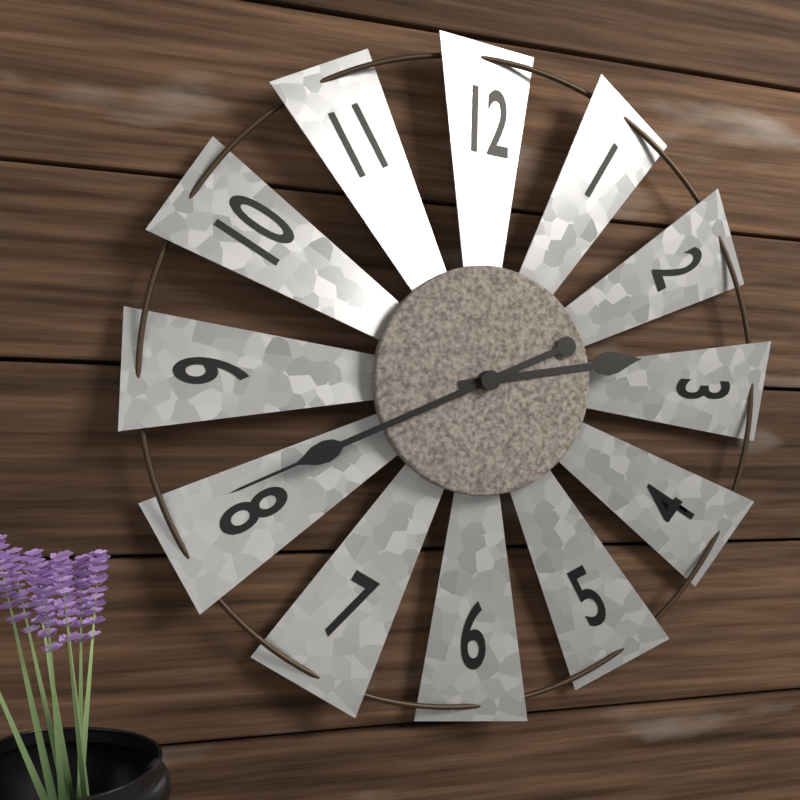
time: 2:41
